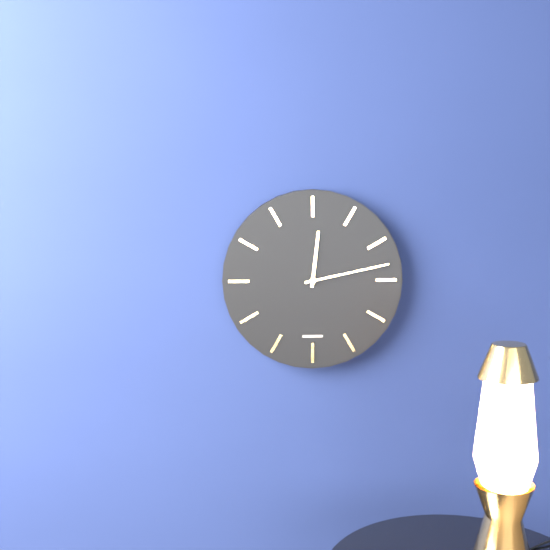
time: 12:13
